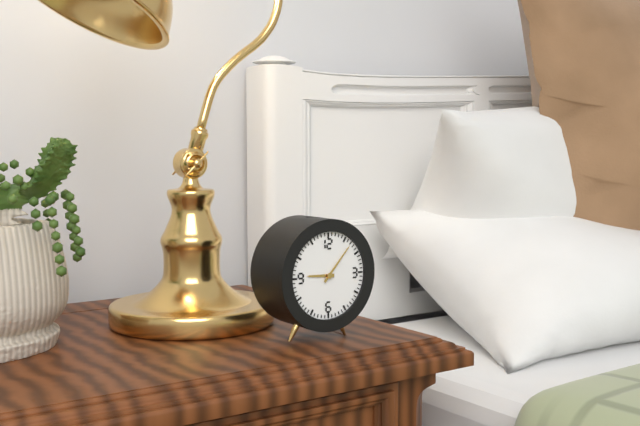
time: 9:07
